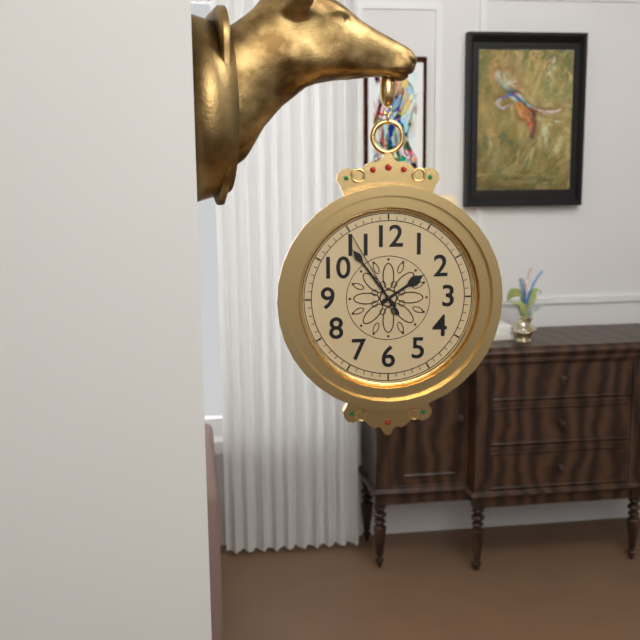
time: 1:54:55
